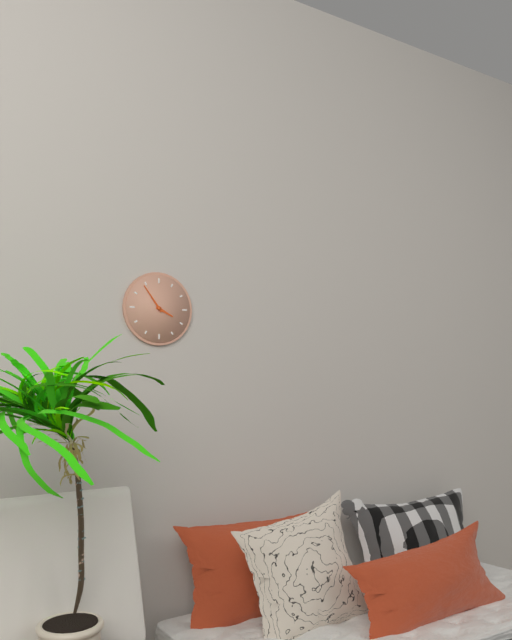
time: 3:54
